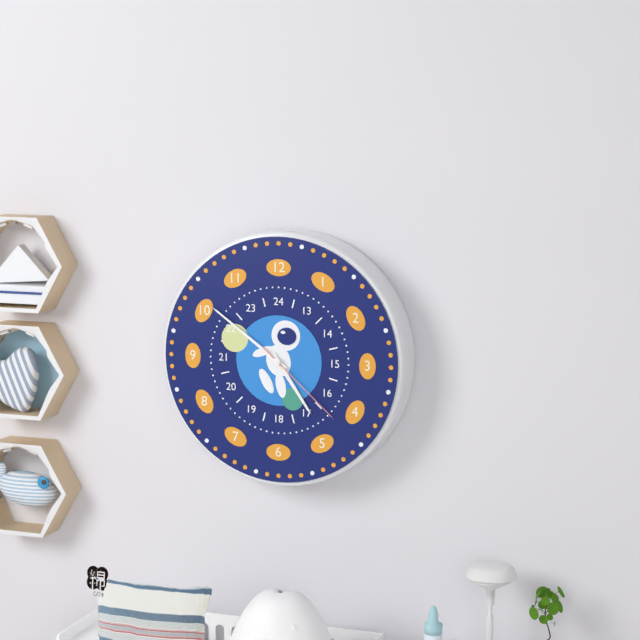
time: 4:51:22
